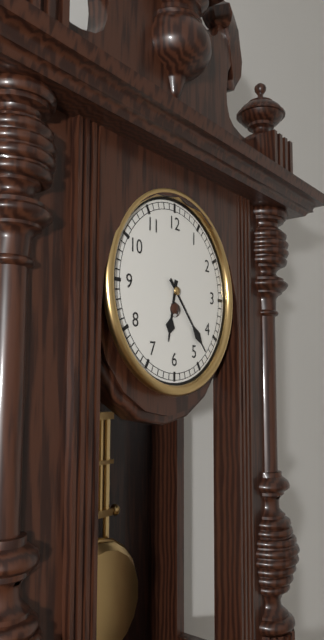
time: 6:23
